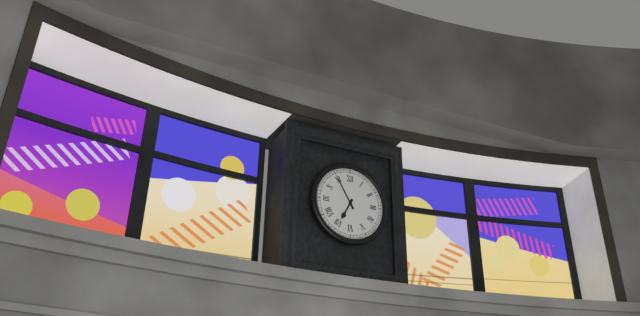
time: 6:55
